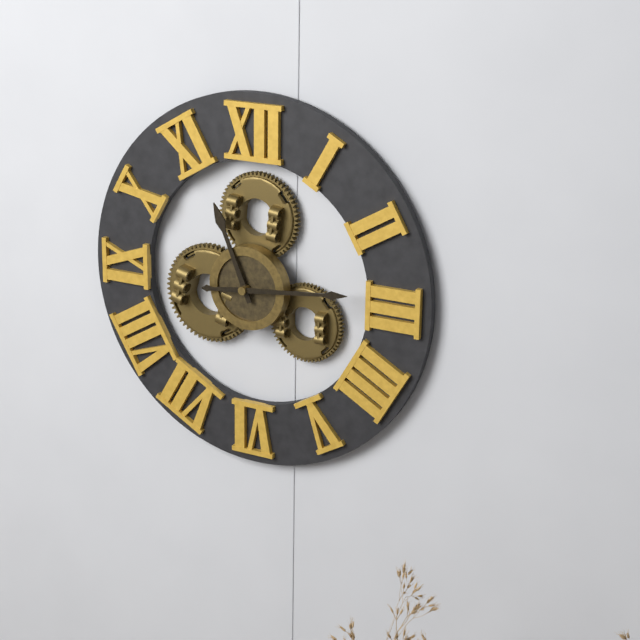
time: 11:14
